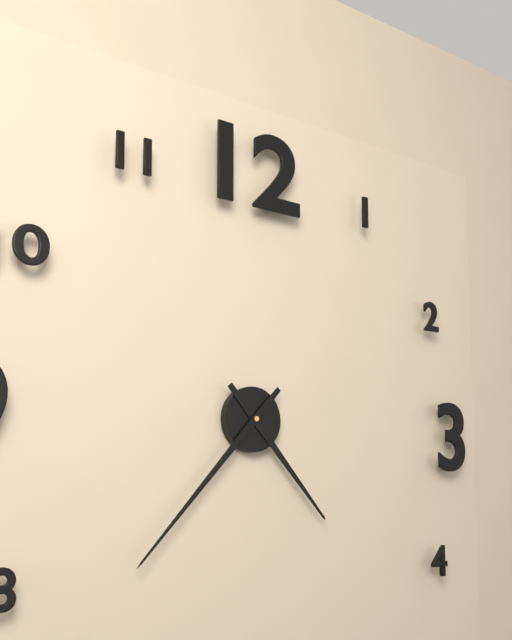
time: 4:37
